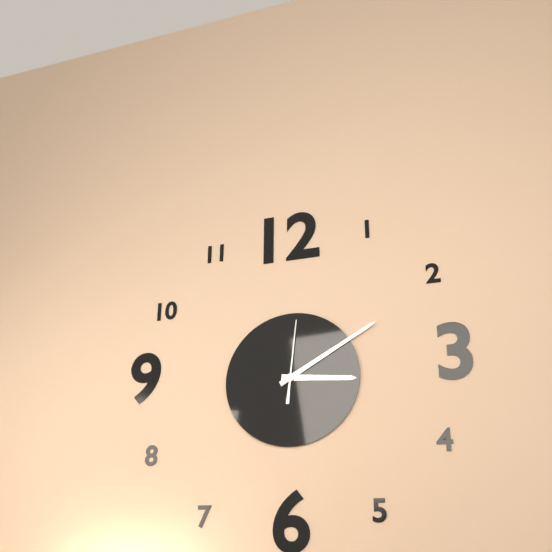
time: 3:10:01
